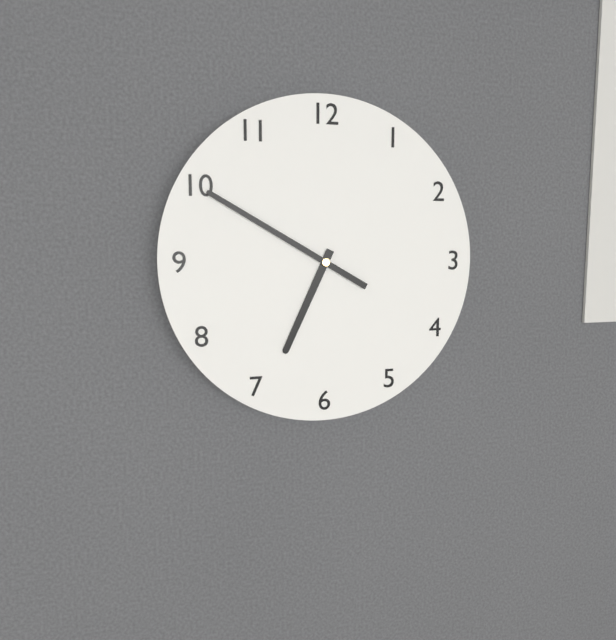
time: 6:50
